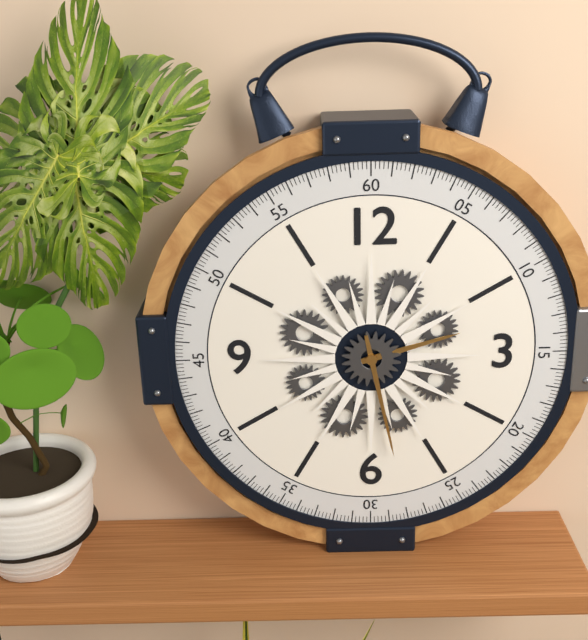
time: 2:28
